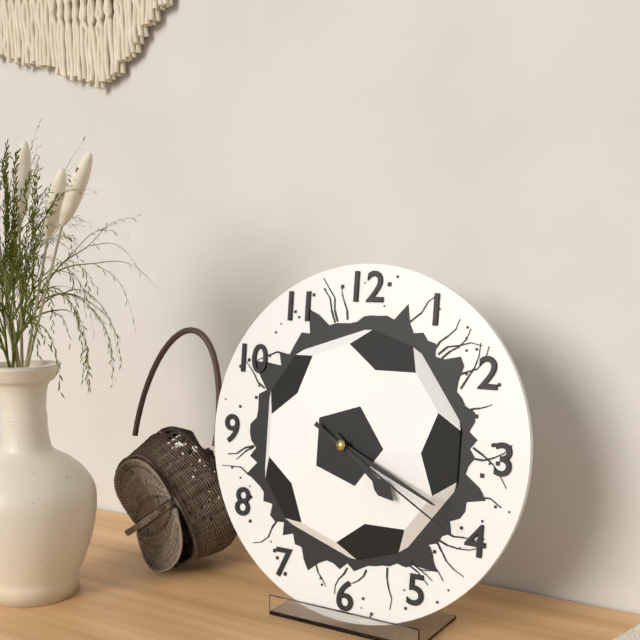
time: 4:19:20
